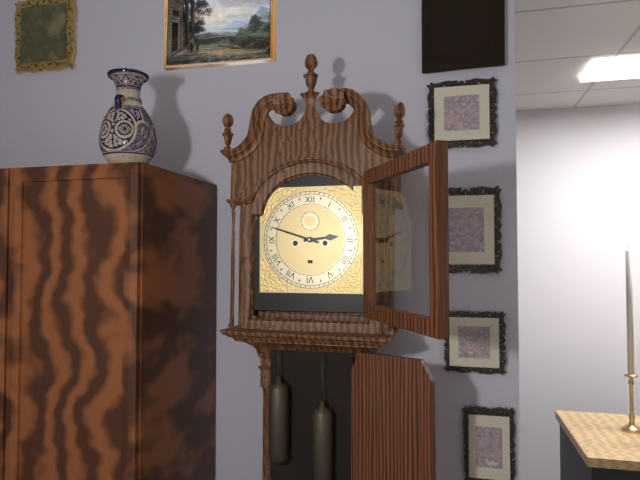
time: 2:48
